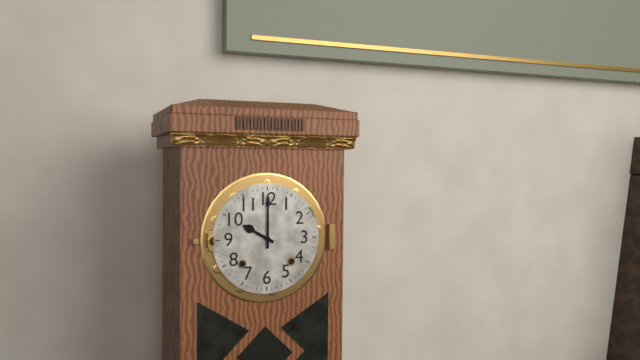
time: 10:00
